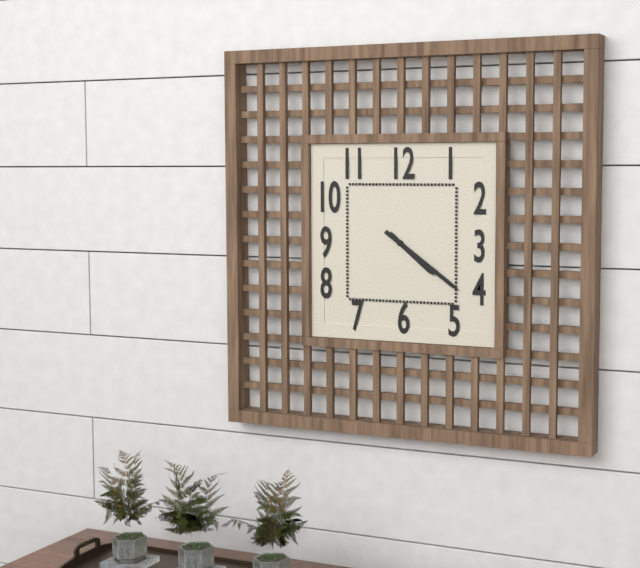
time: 4:21
